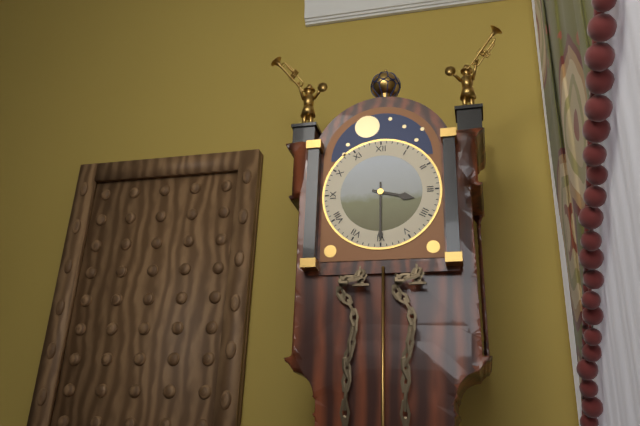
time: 3:30
